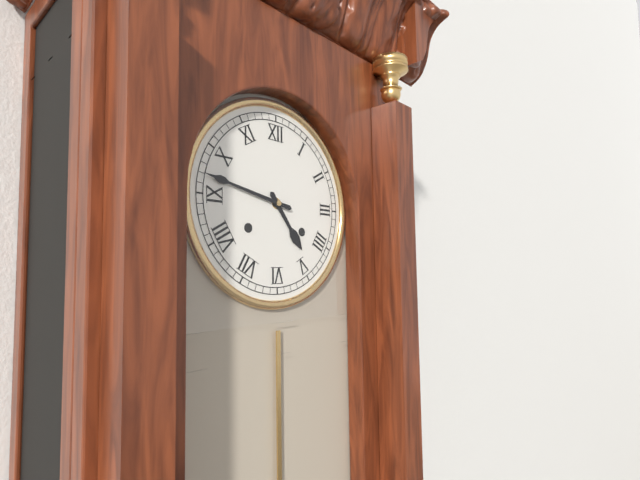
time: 4:47
